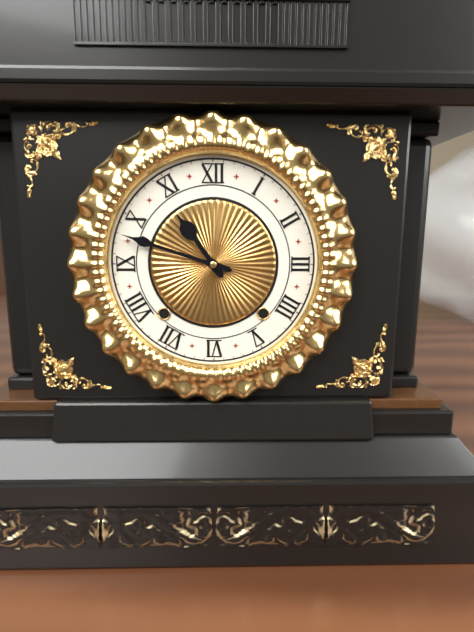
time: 10:48
